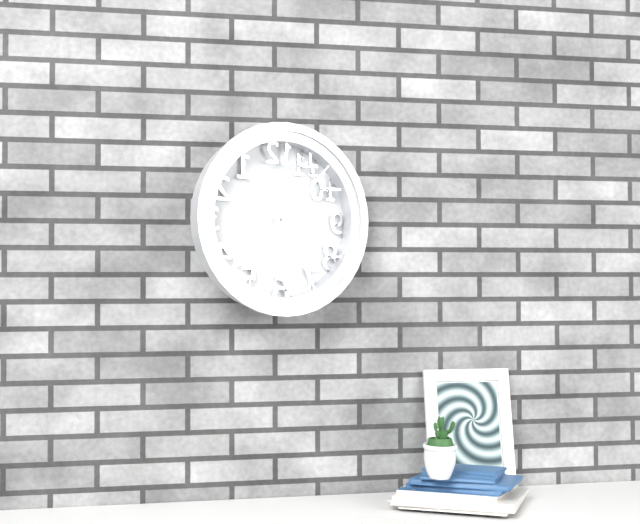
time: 5:07
